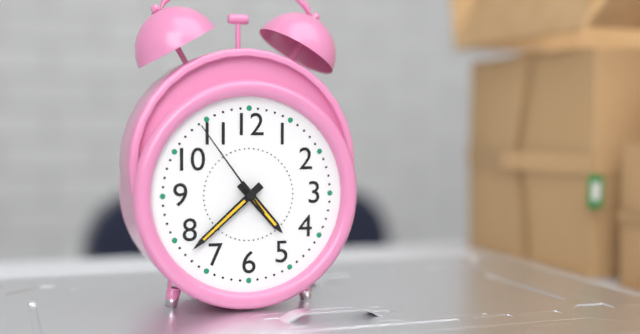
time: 4:38:54
